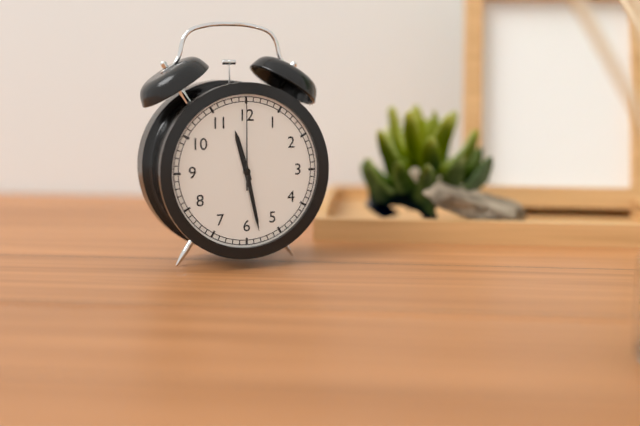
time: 11:28:00
